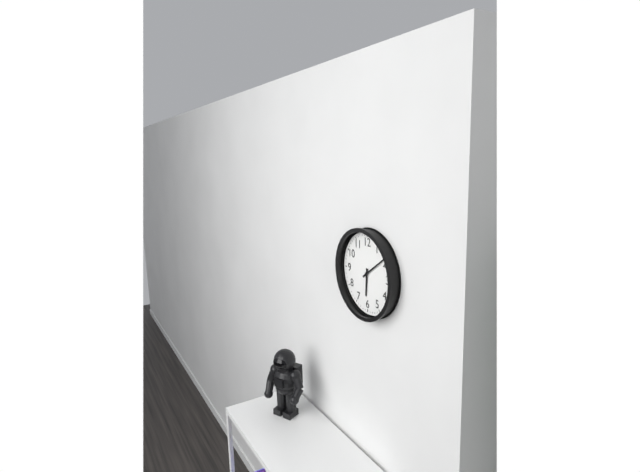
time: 6:09
